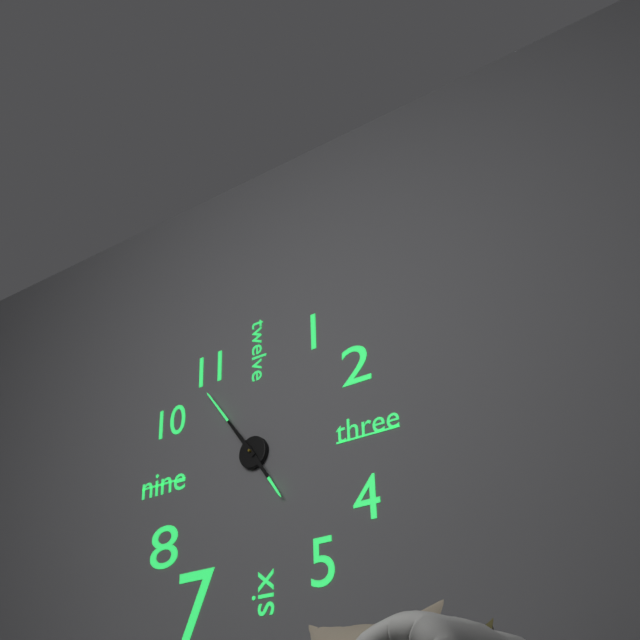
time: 4:54
